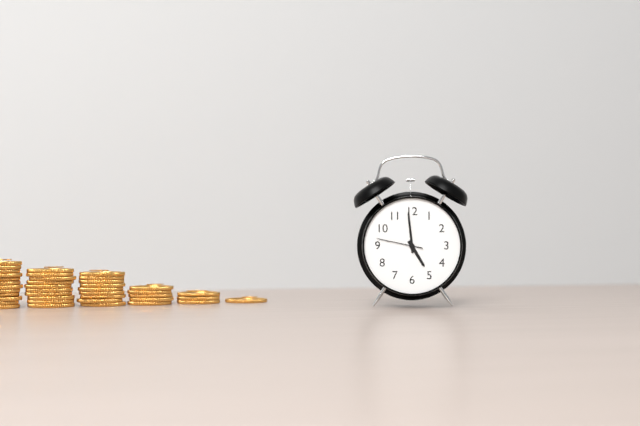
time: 4:59
